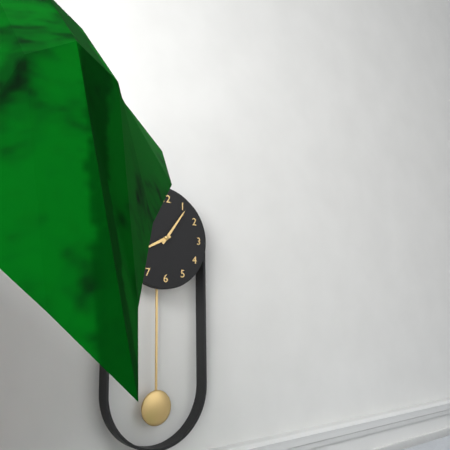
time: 8:06
